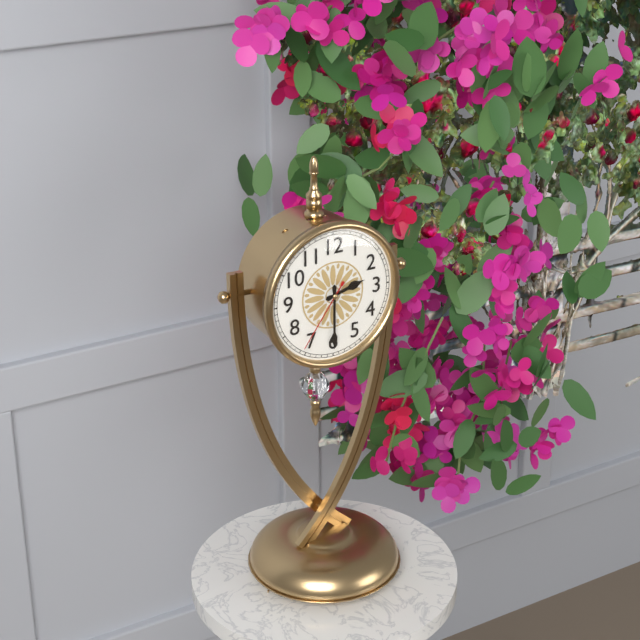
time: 2:30:36
